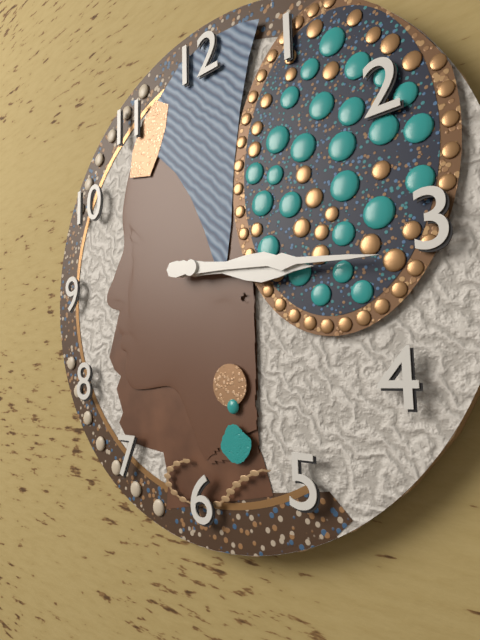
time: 3:16
